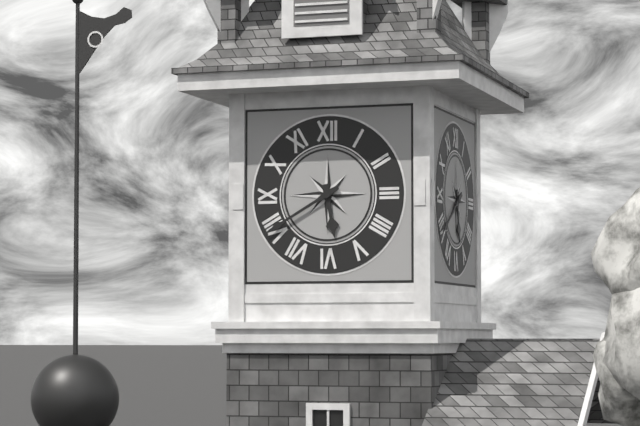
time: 5:40
